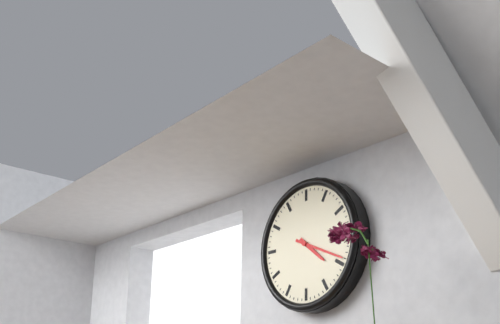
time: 4:19
